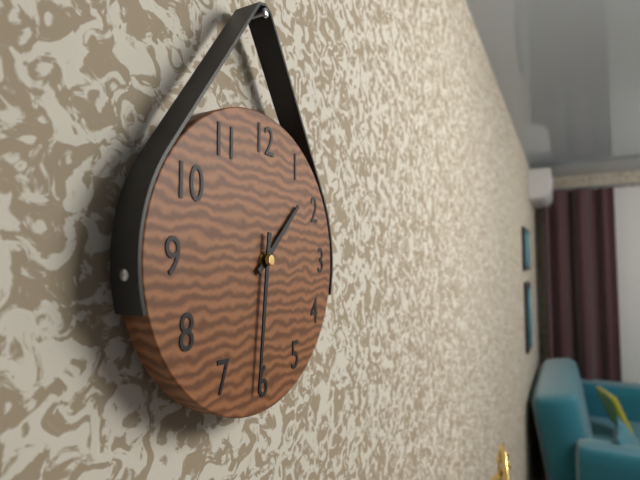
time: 1:31
